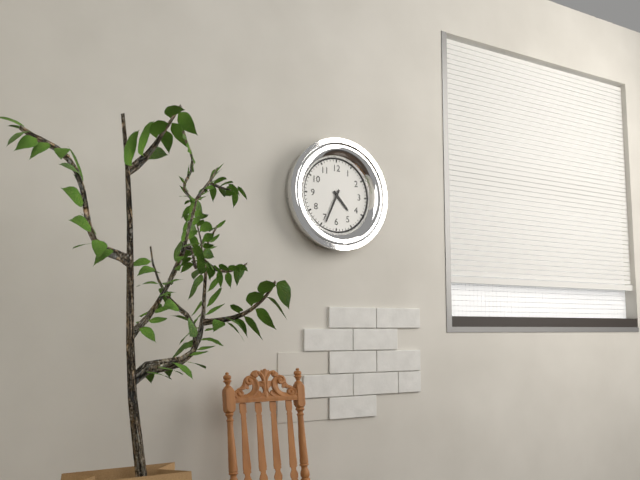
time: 4:34
